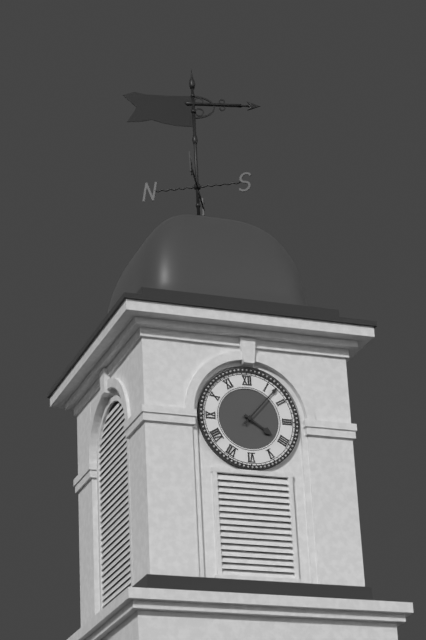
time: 4:07
